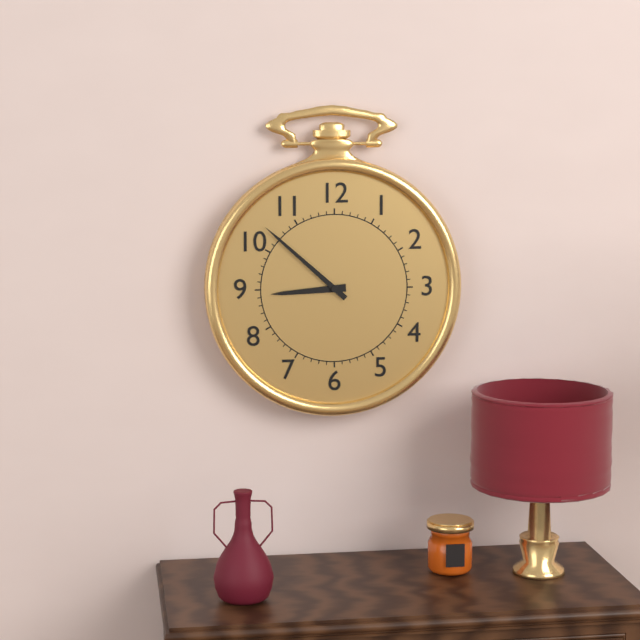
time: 8:52
